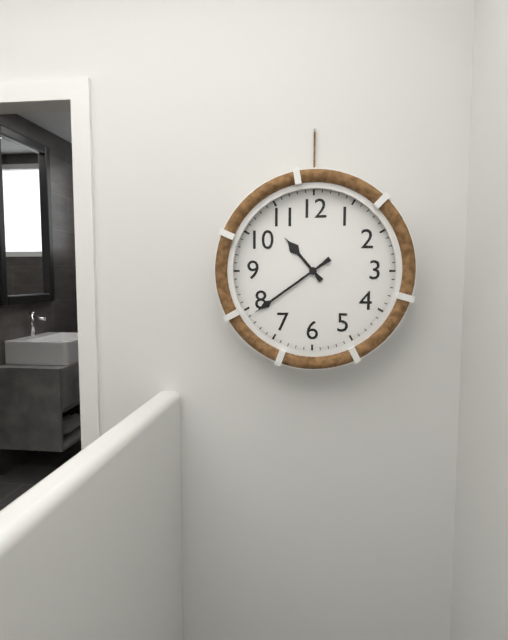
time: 10:39
